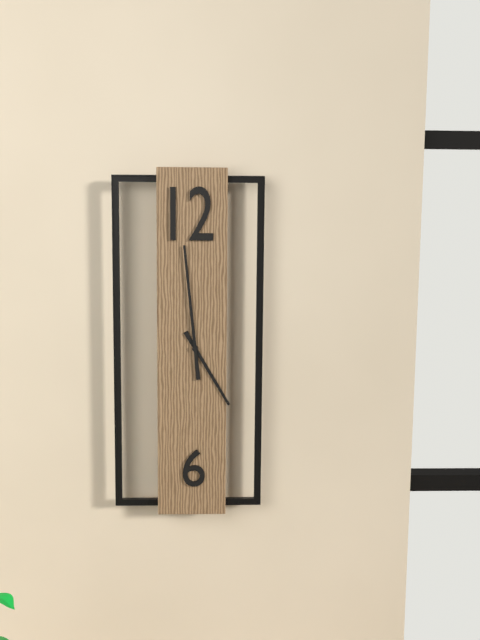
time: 4:59
